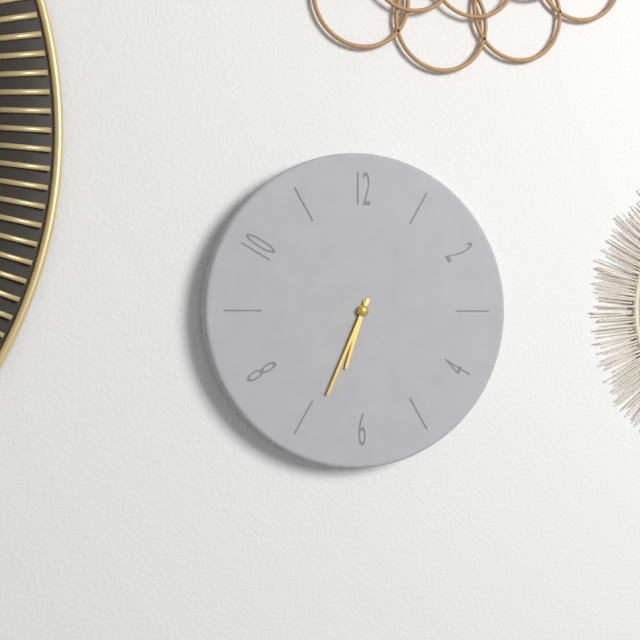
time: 6:34
